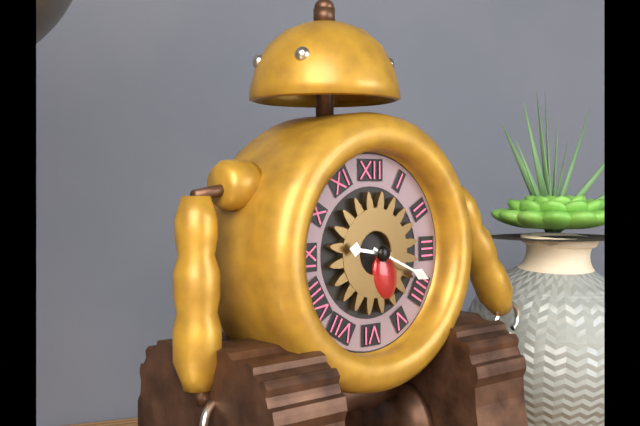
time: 9:19
